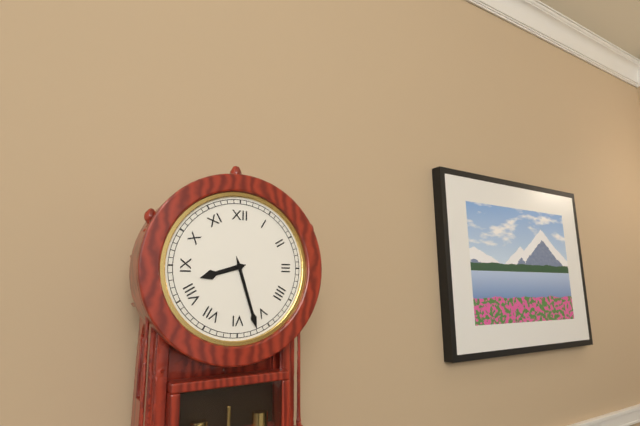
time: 8:27
